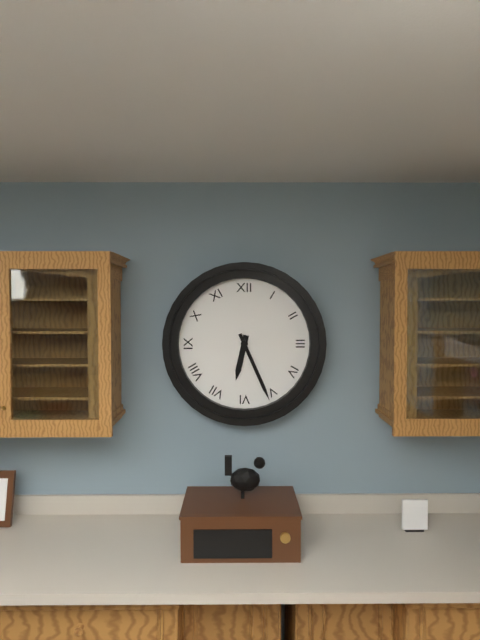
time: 6:26
